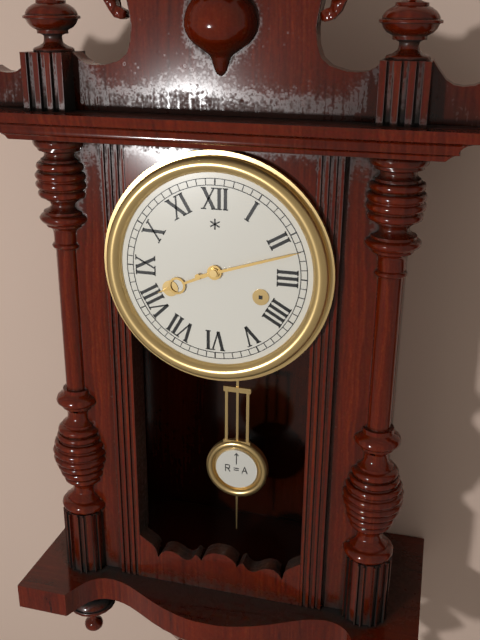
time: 8:12
